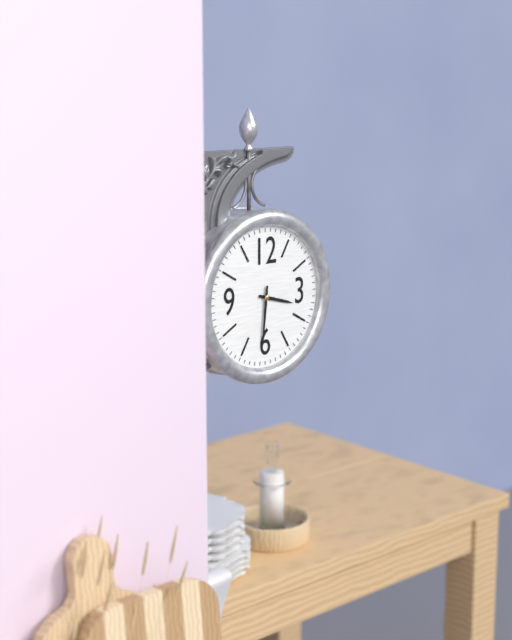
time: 3:31
